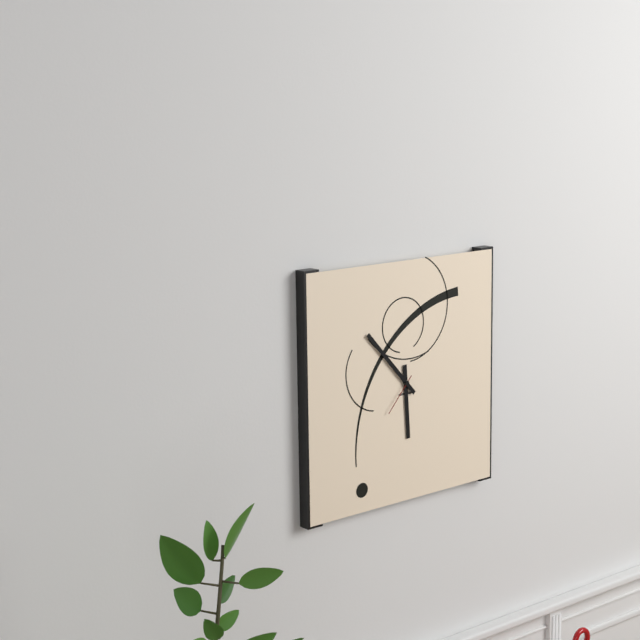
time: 5:53
